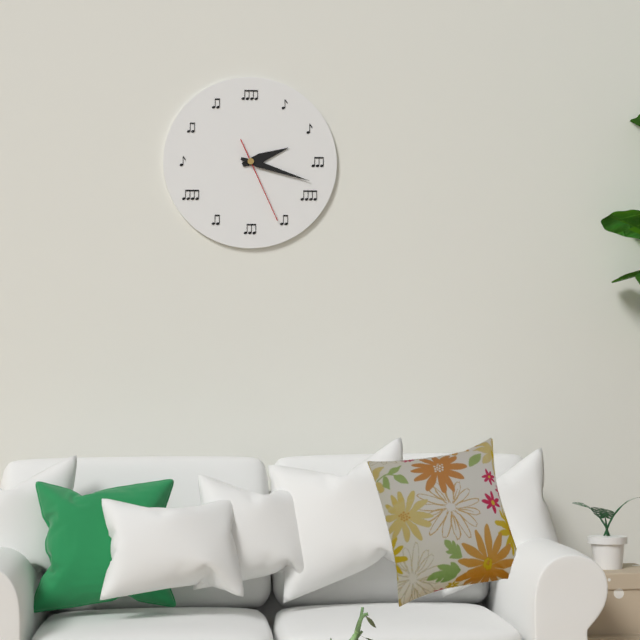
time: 2:18:26
